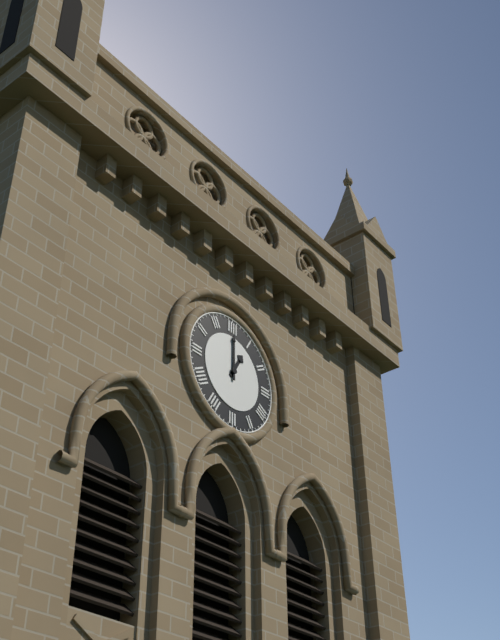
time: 1:00
